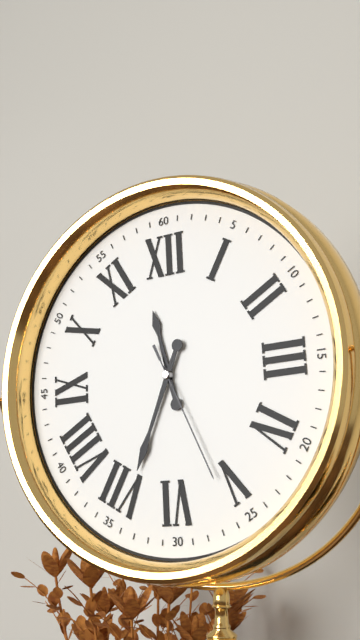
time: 11:34:26
